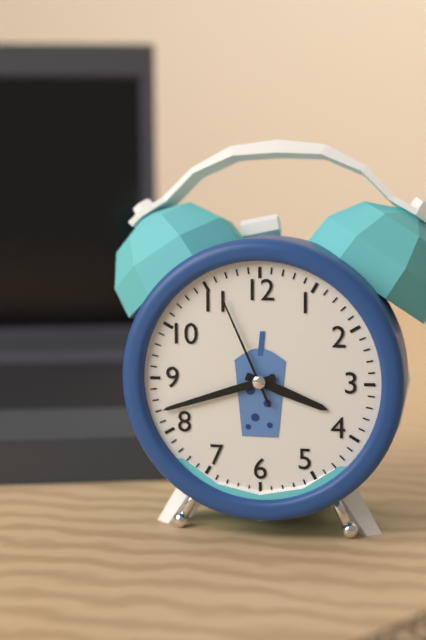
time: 3:42:56
